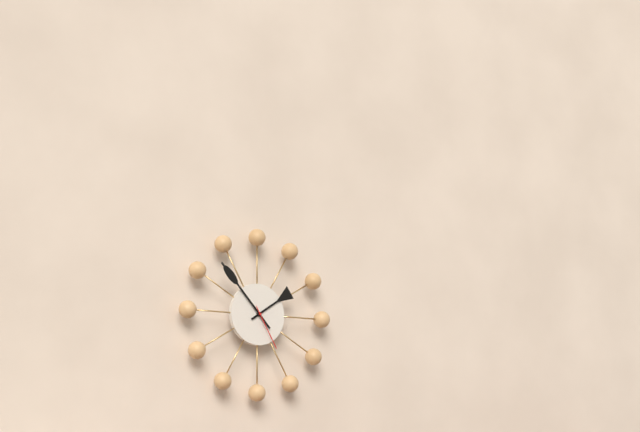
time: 1:53
